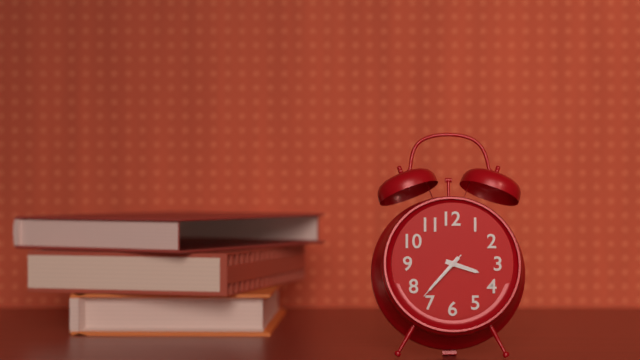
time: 3:37:37
